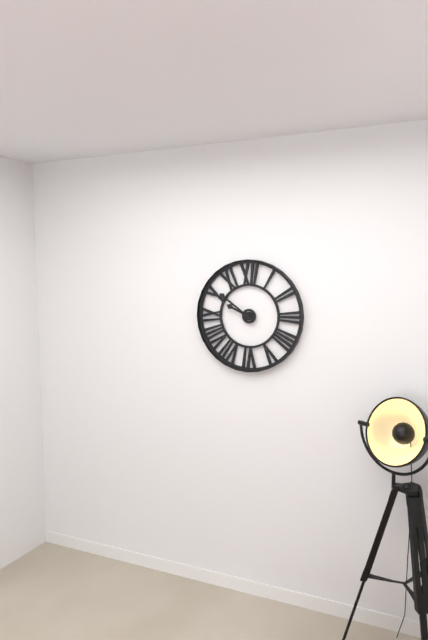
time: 9:51
